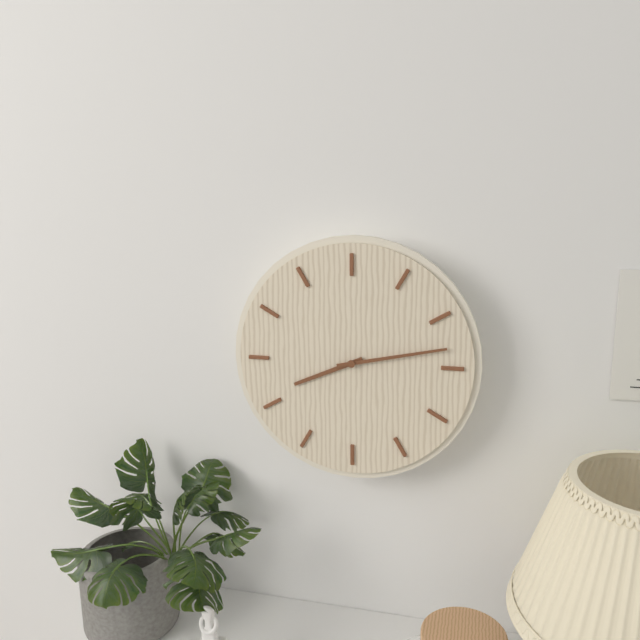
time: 8:13
